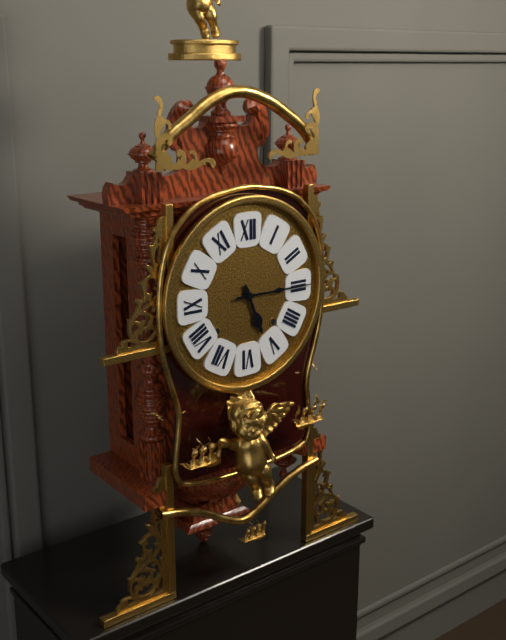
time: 5:15
